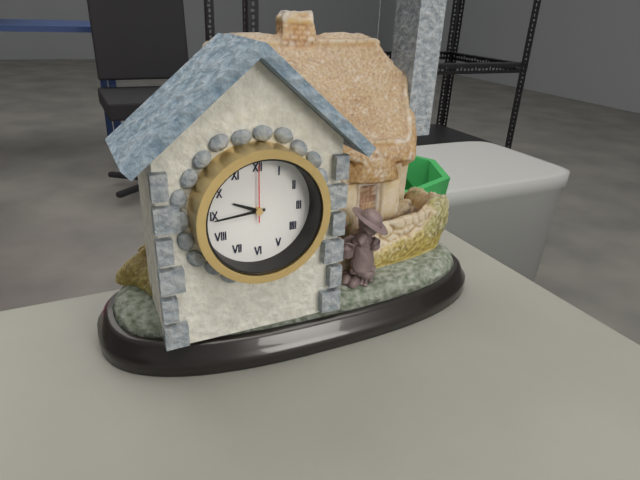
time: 9:44:00
